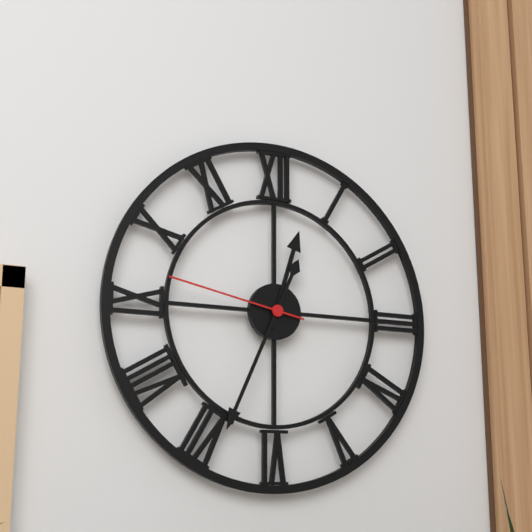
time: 12:34:47
